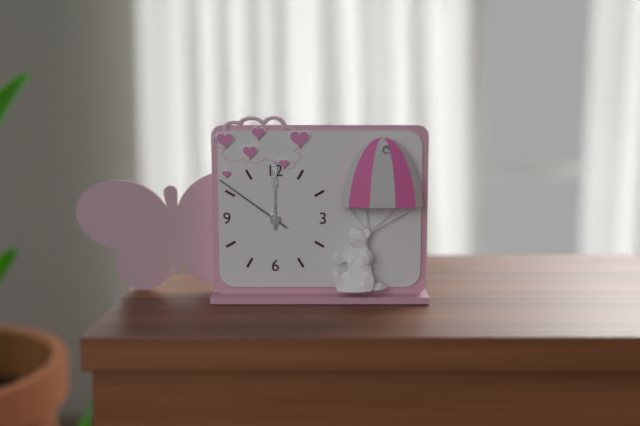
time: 12:00:51
